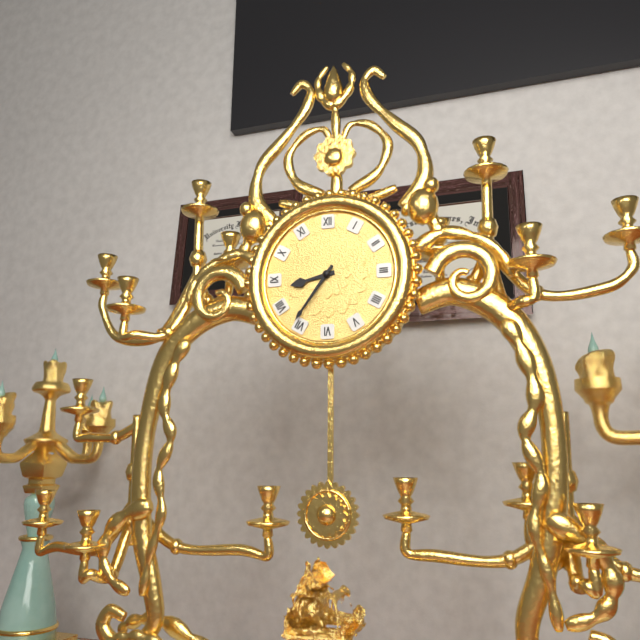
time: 8:36
